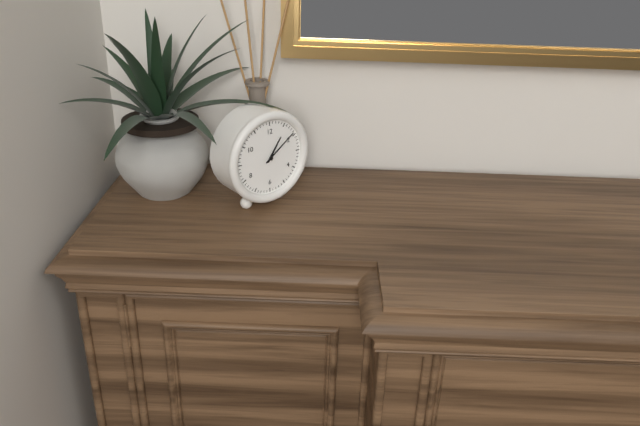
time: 1:09
